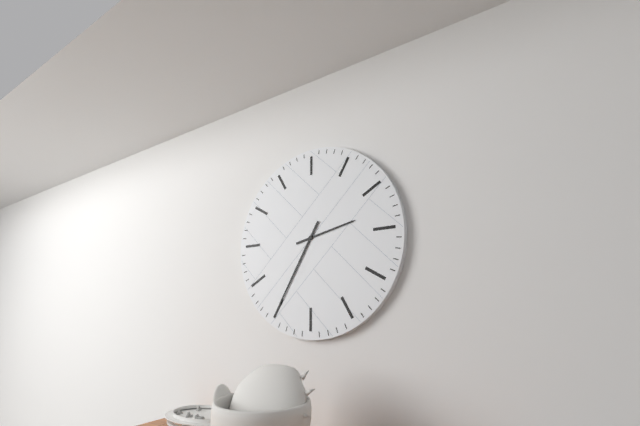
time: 2:35
